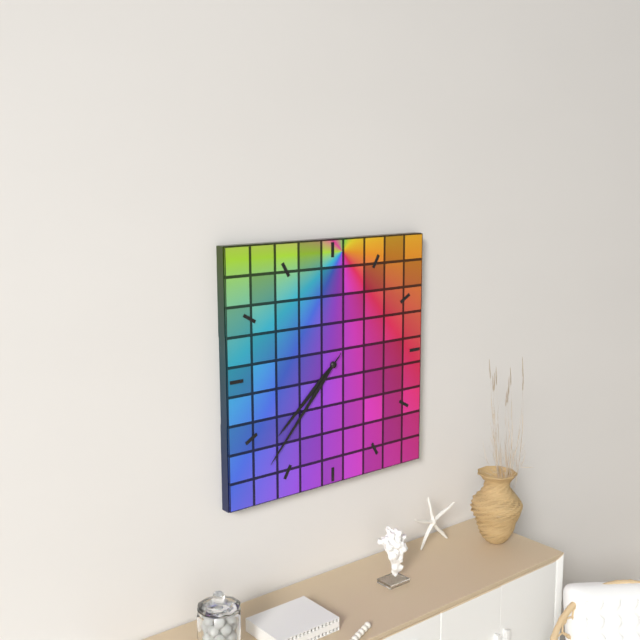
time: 7:37
